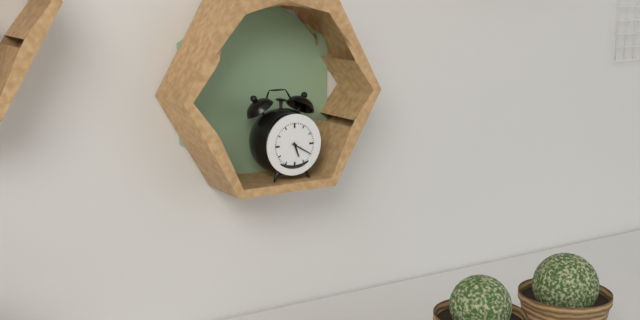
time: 5:20
